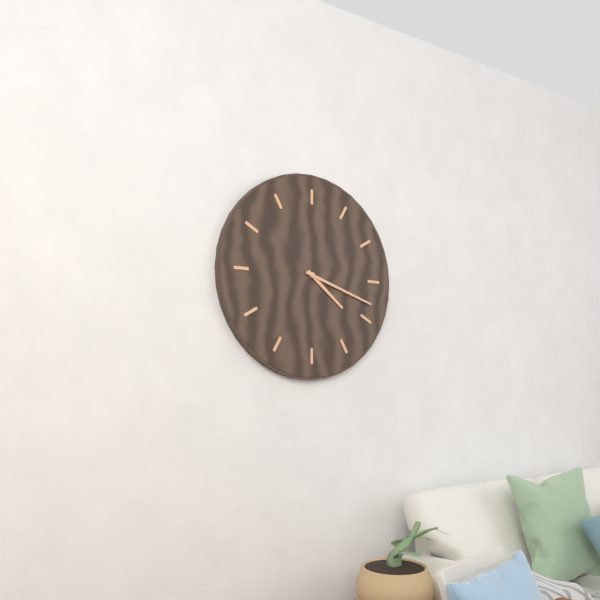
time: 4:18
